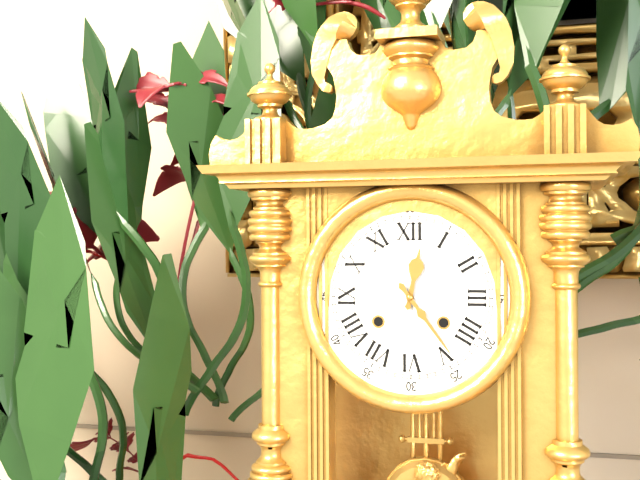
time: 12:24
